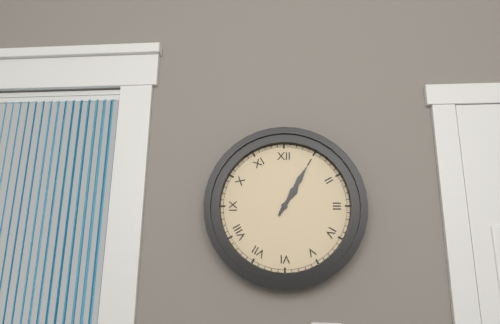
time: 1:05
